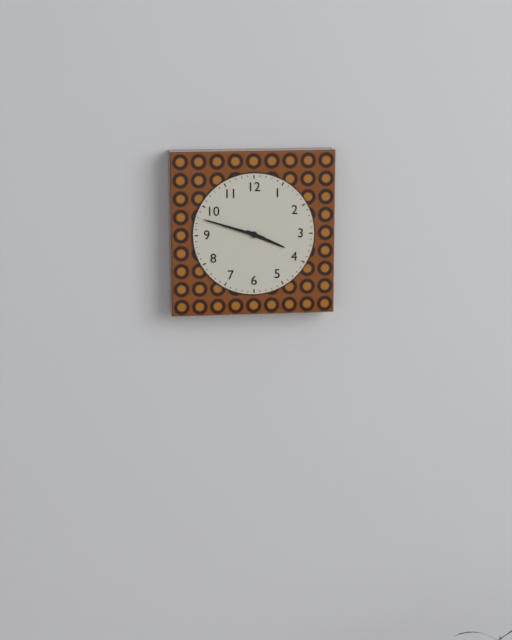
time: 3:48
